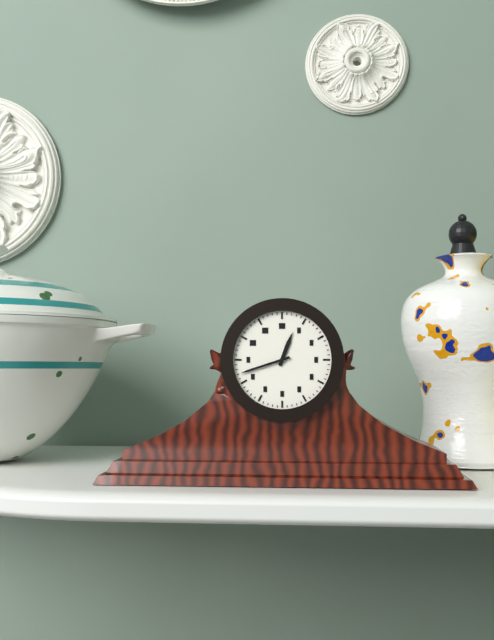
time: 12:42
